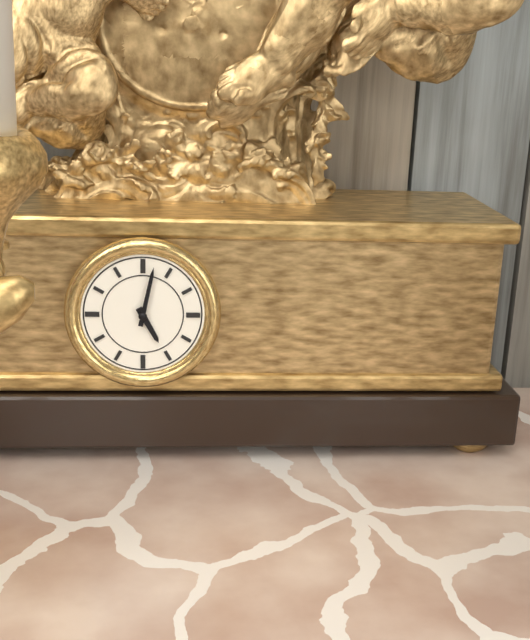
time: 5:02
